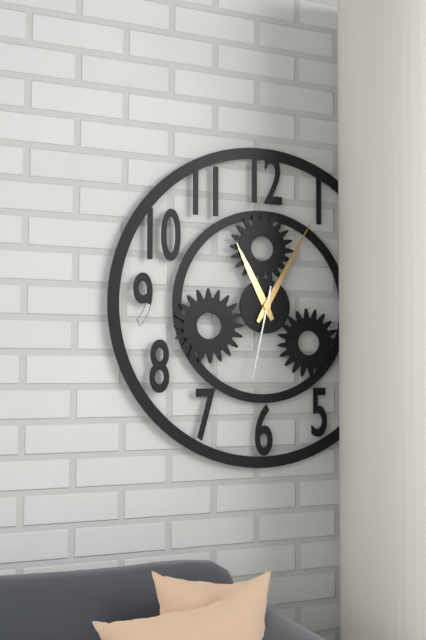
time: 11:05:32
